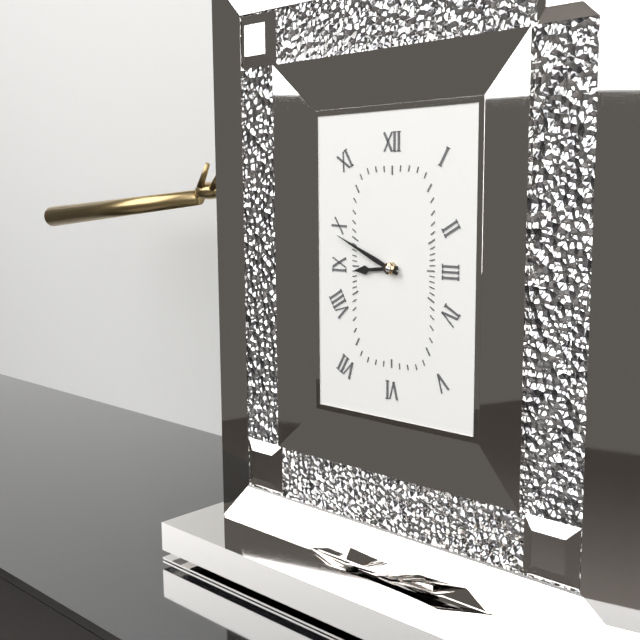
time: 8:49
